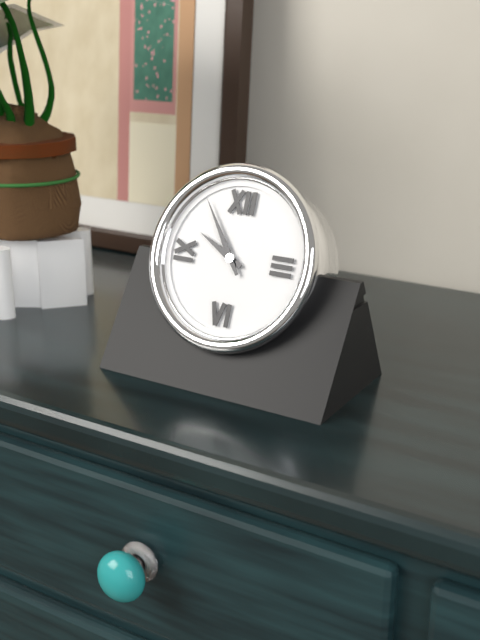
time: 9:54
